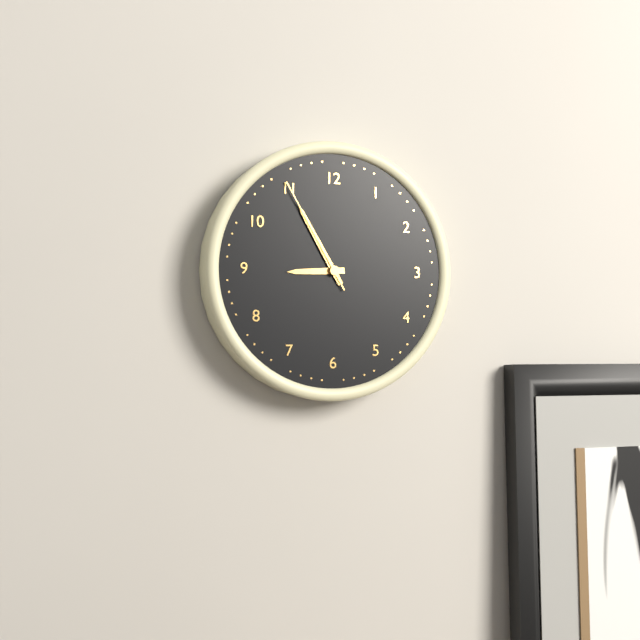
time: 8:55:55
